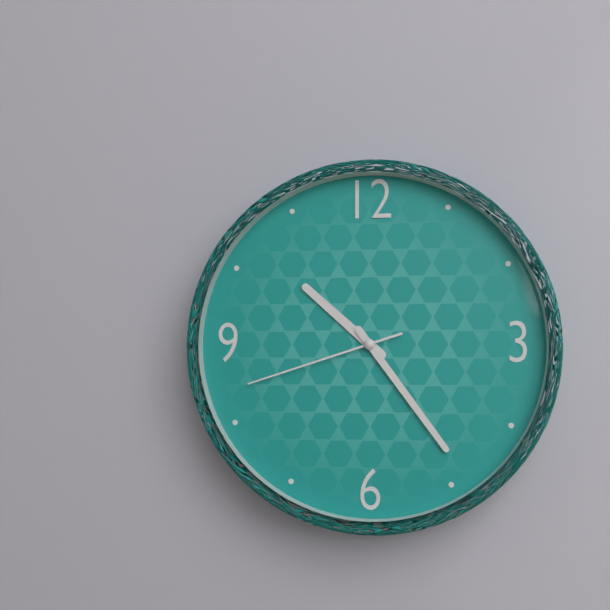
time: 10:24:42
